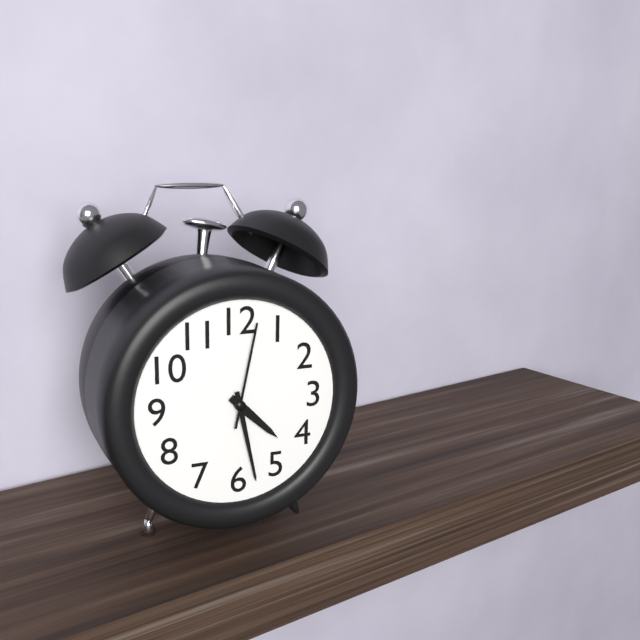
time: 4:28:02
